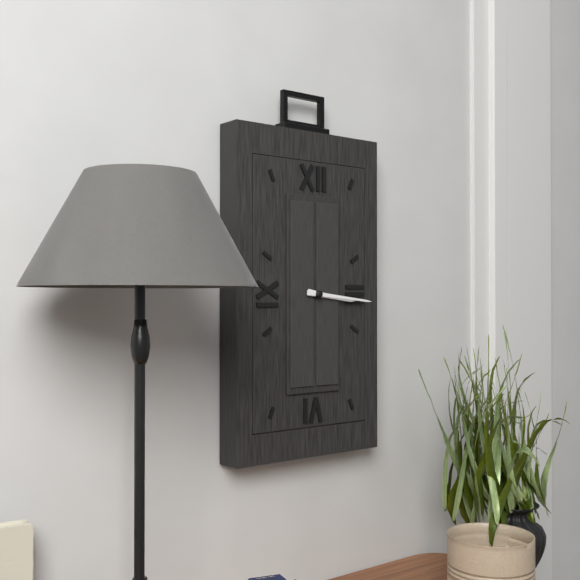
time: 3:16
